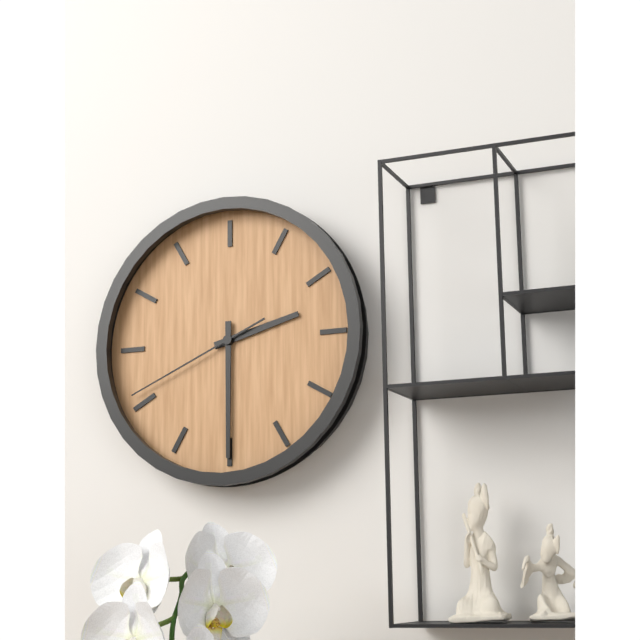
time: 2:30:41
